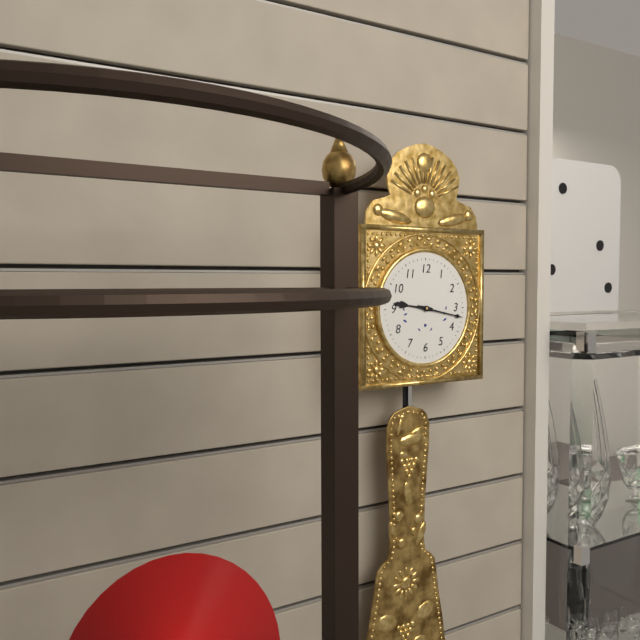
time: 9:17
